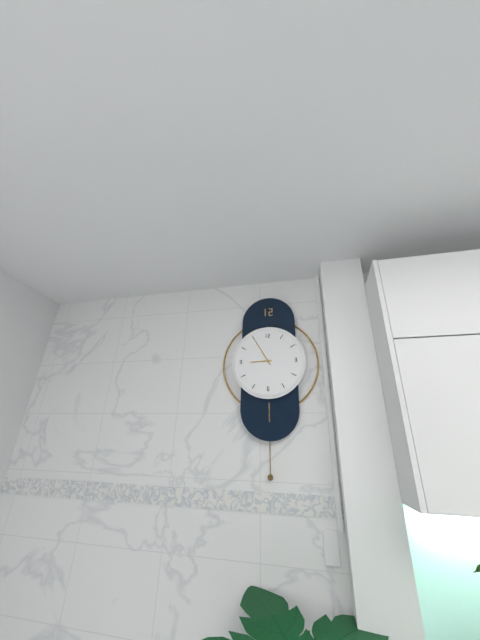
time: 8:55
